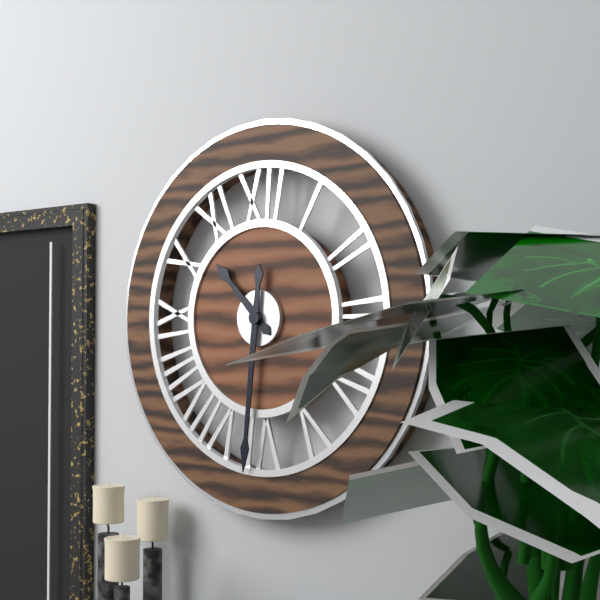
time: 10:31
